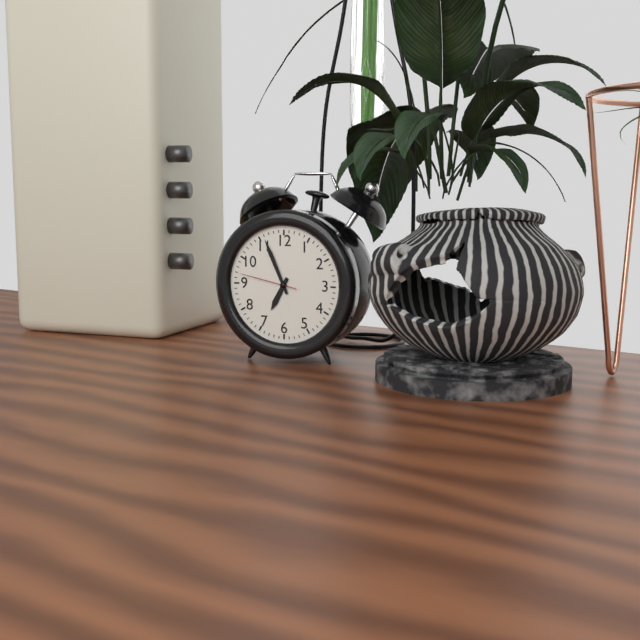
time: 6:56:47
